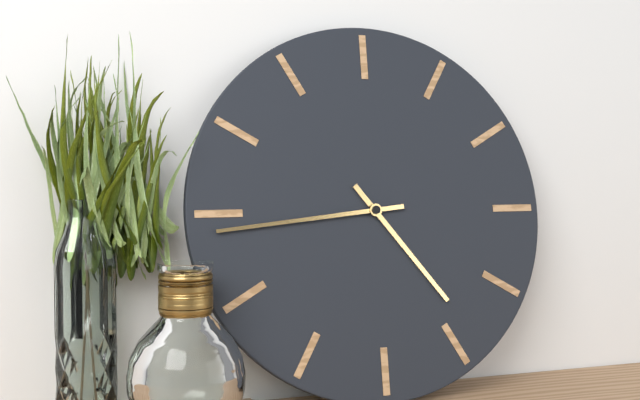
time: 4:44
